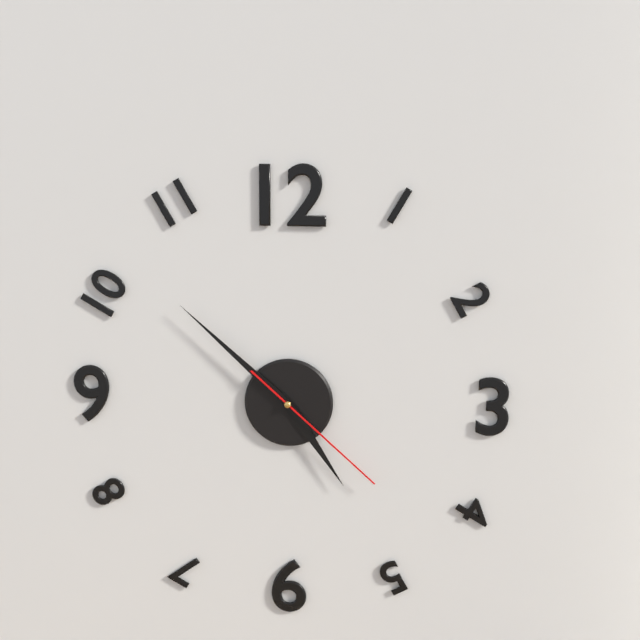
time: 4:52:22
